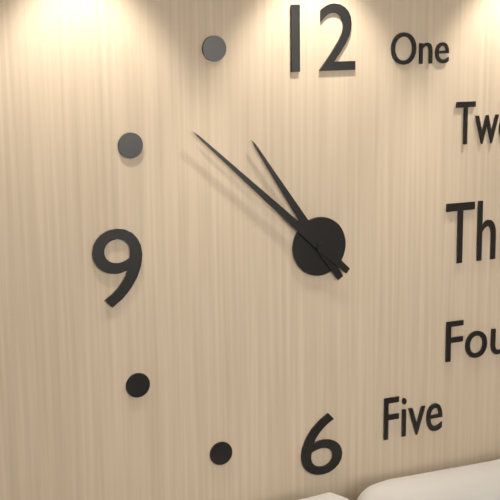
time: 10:52
